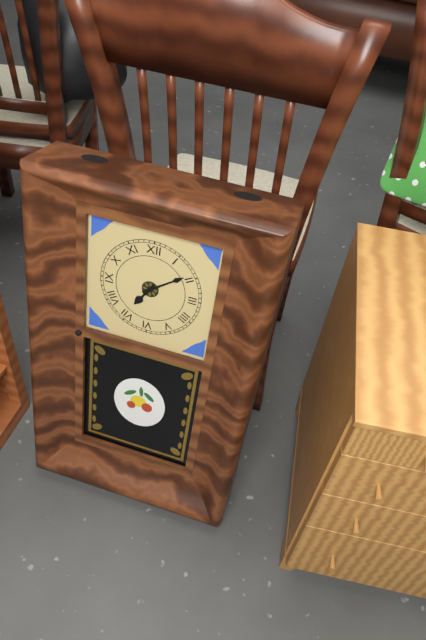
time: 7:09
